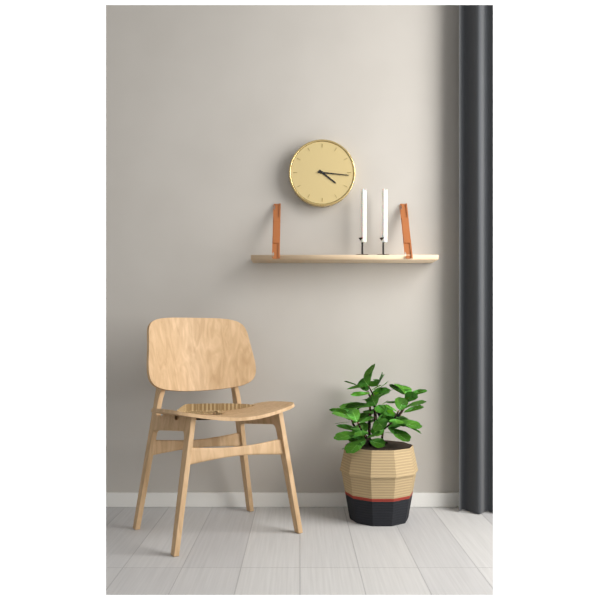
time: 4:16
